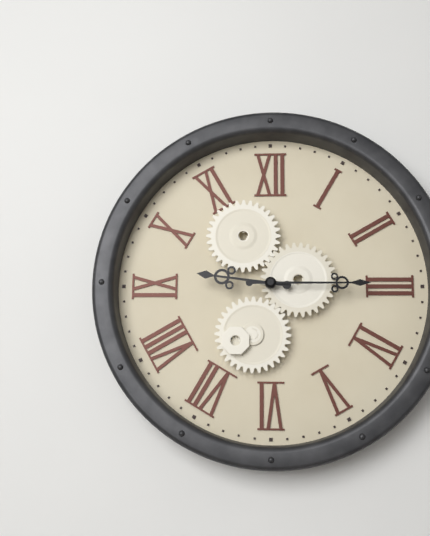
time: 9:15
